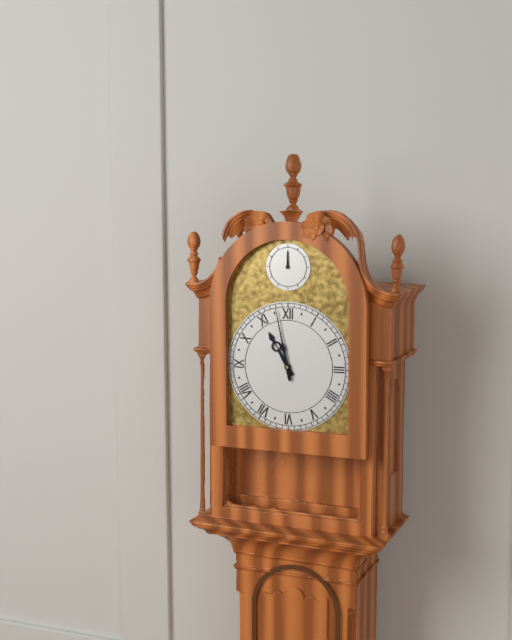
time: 10:58
